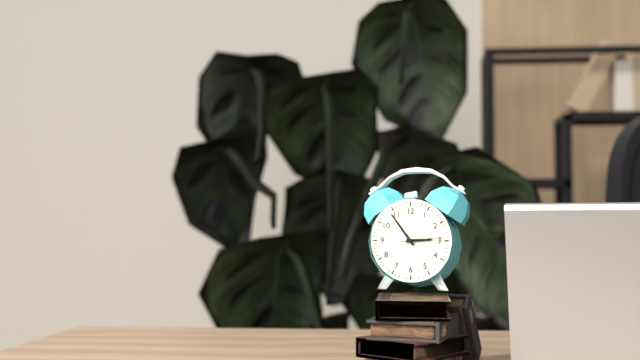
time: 2:54
